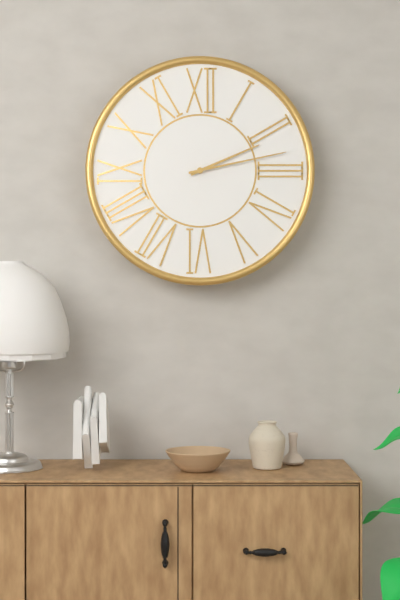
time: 2:13
